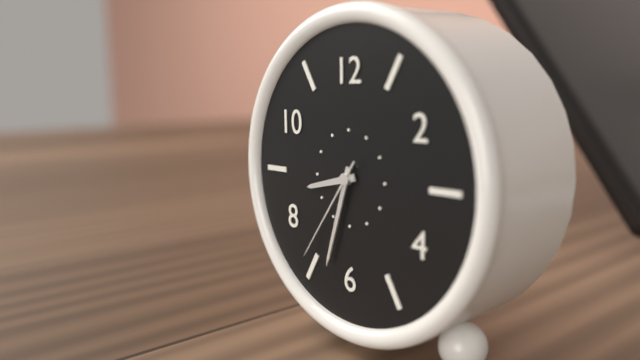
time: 8:33:36
